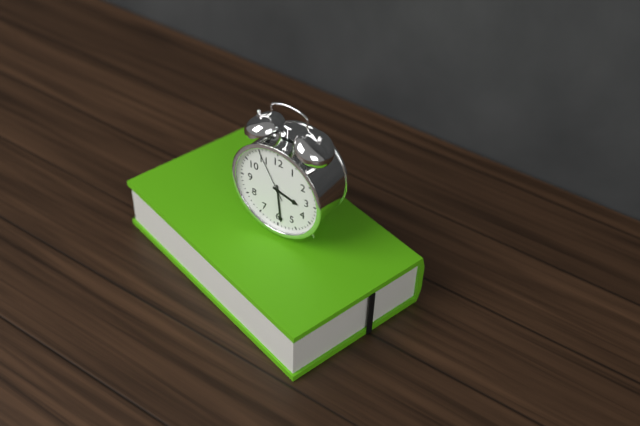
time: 3:29:55
